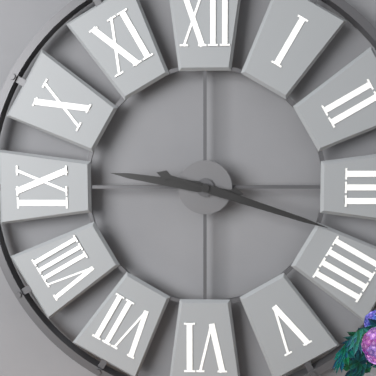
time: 9:18
